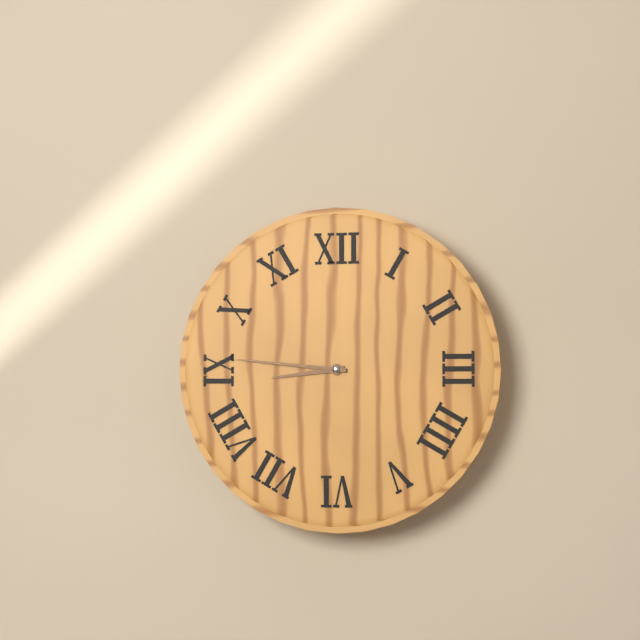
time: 8:46
